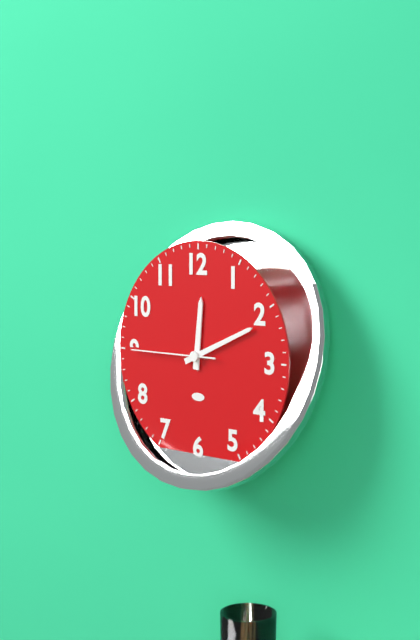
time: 12:11:45
